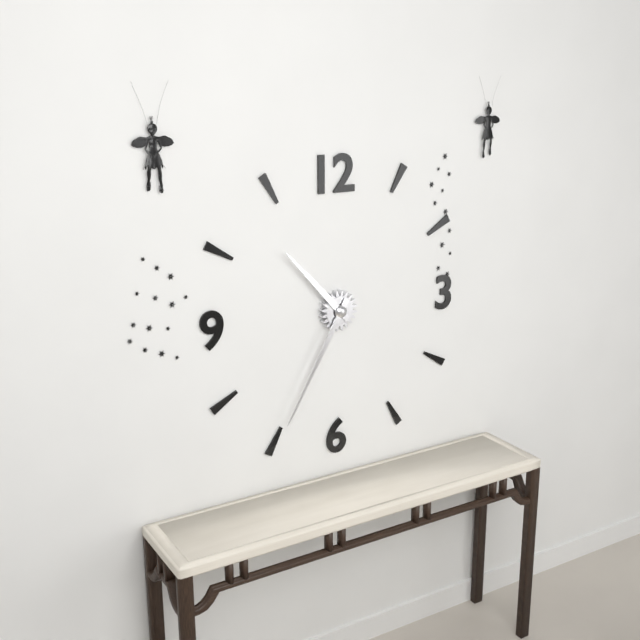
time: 10:35
